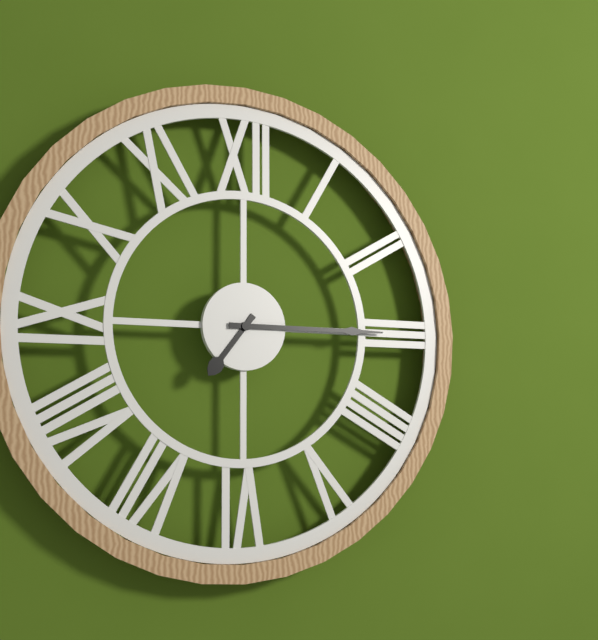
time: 7:15
